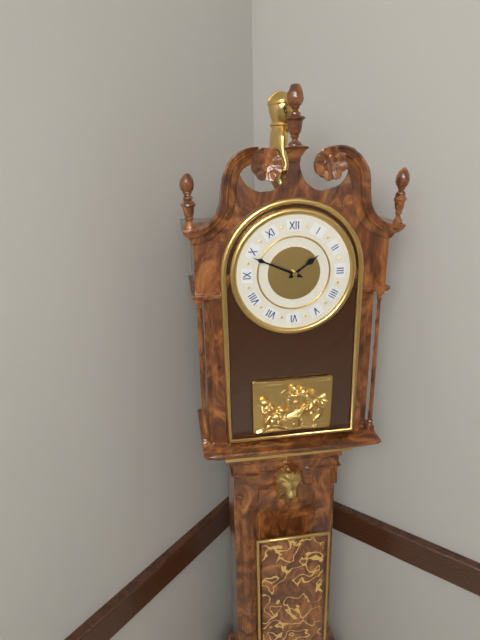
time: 1:49
